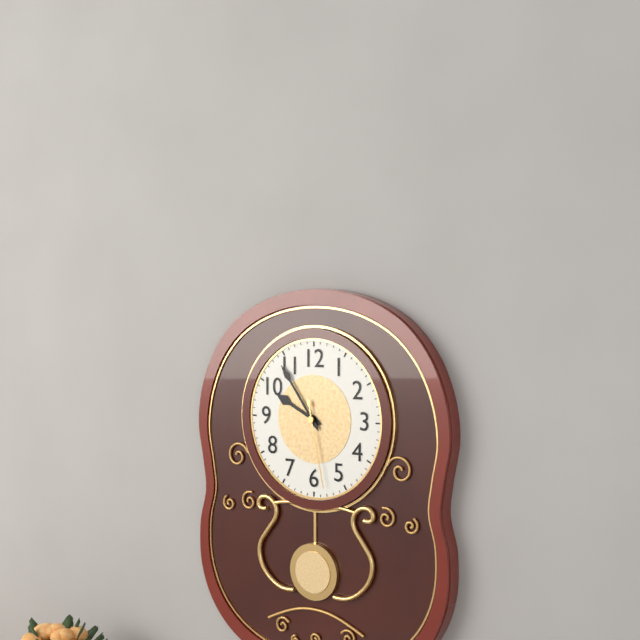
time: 9:54:28
